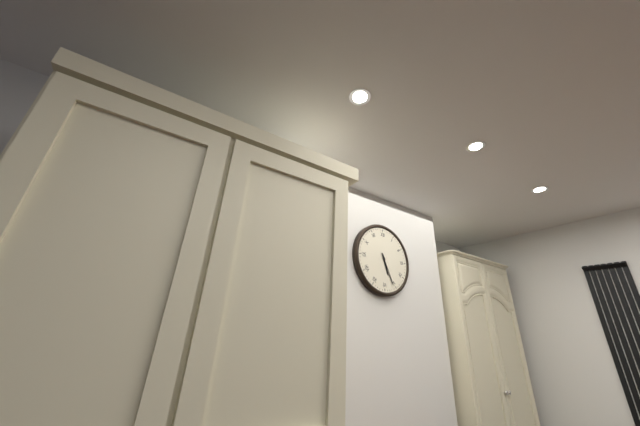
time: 5:26
